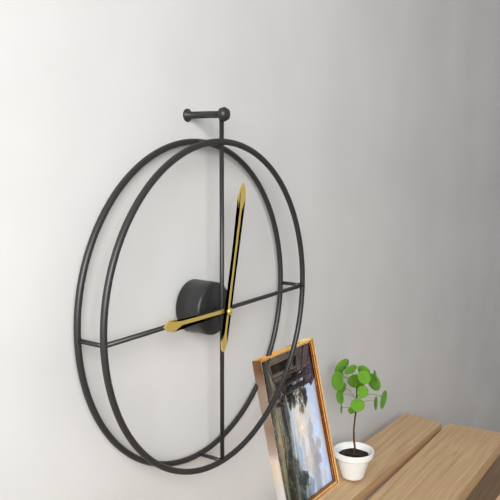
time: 9:02
